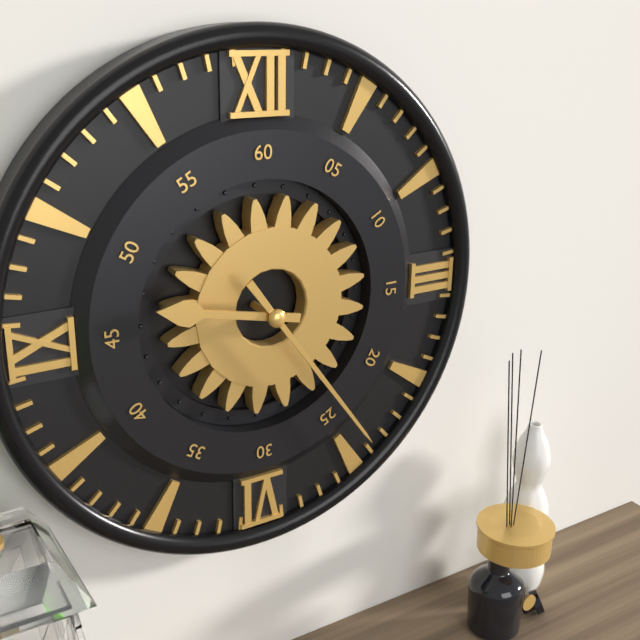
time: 9:24
